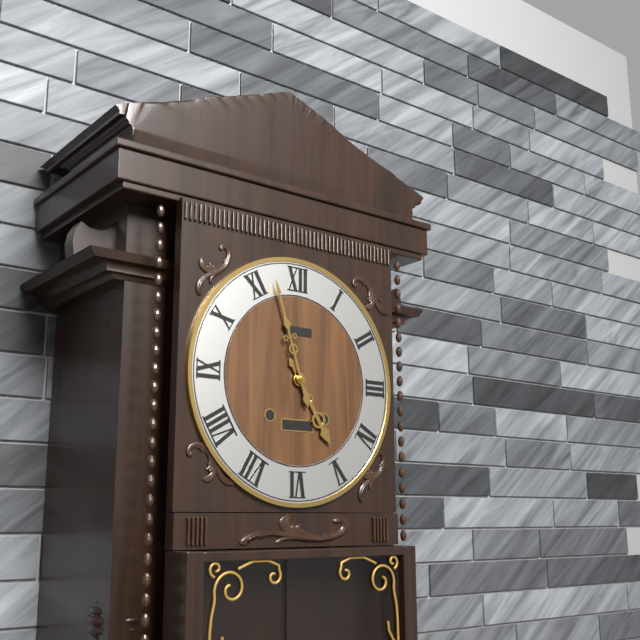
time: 4:57
